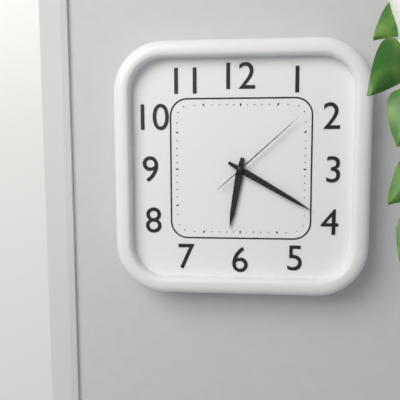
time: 6:20:08
